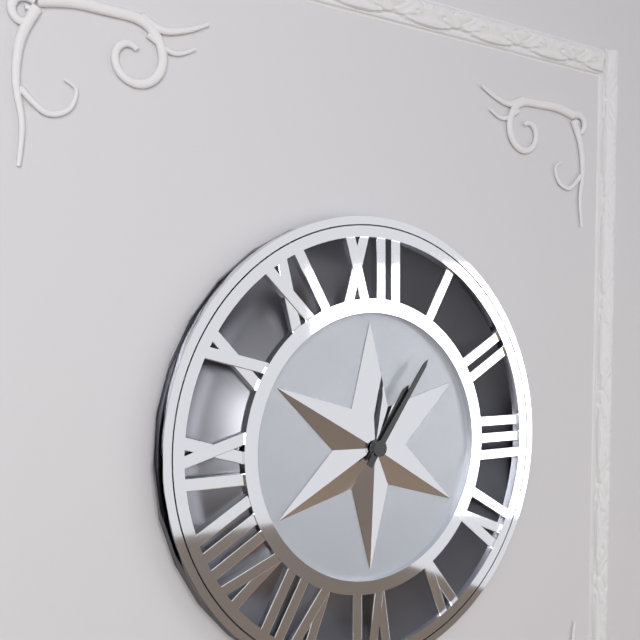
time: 1:06
